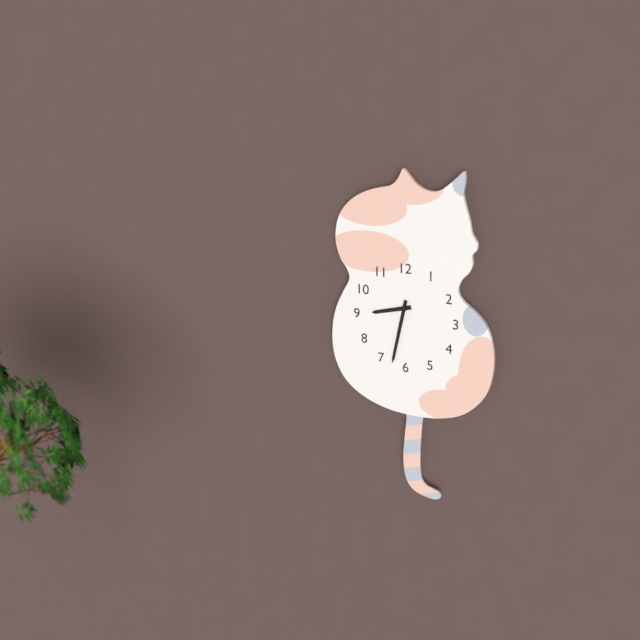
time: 8:32
